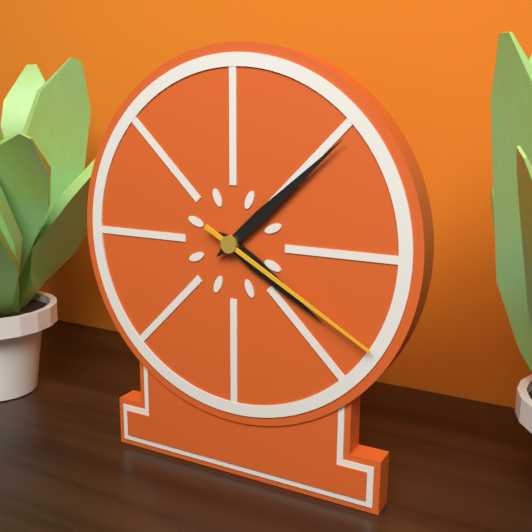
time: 4:08:20
